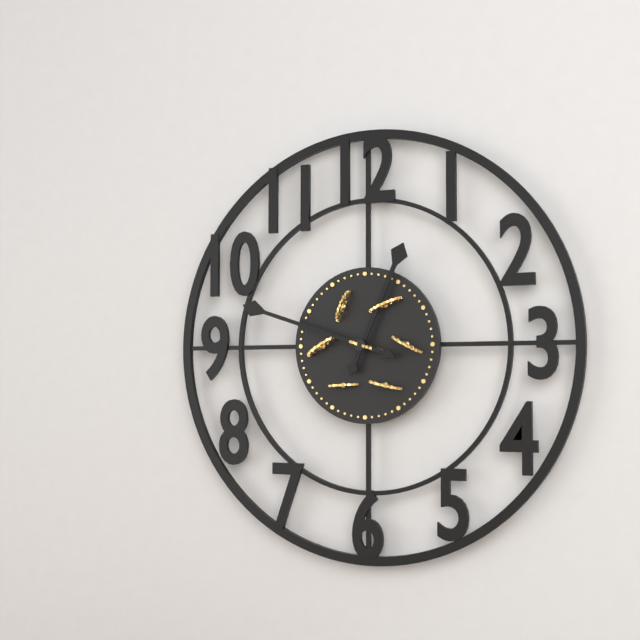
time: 12:48
